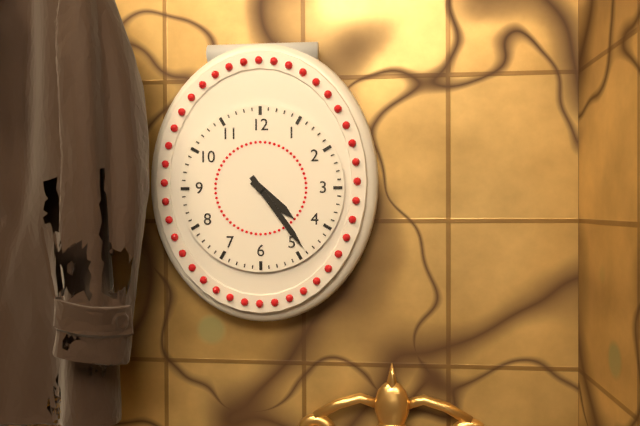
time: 4:24
